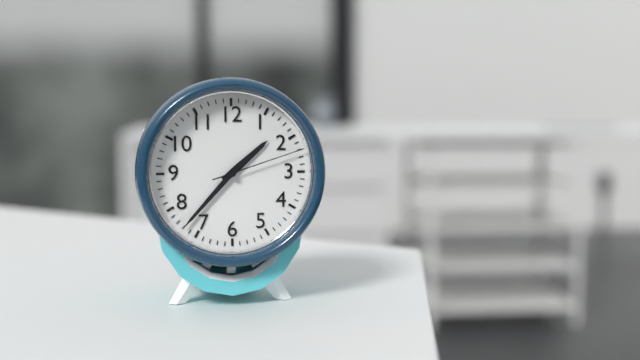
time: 1:37:12
